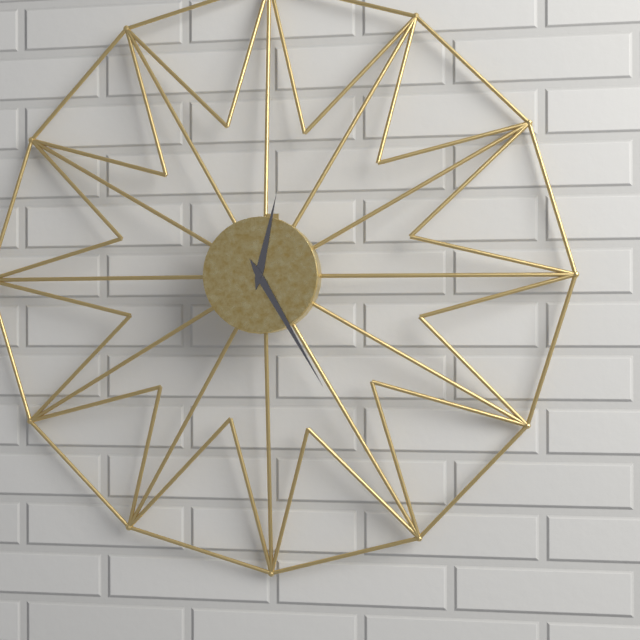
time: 12:25
